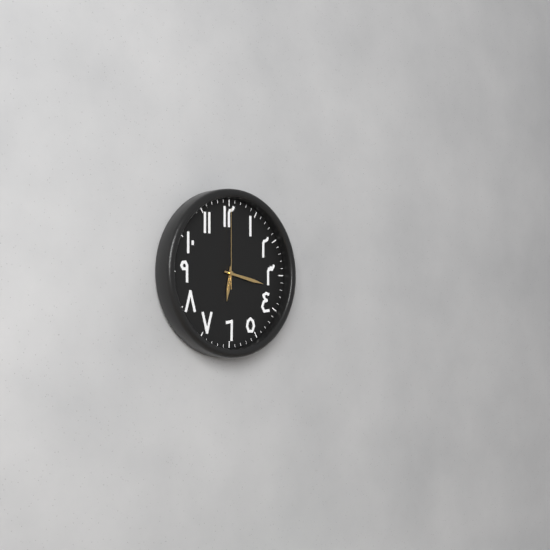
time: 6:17:00
